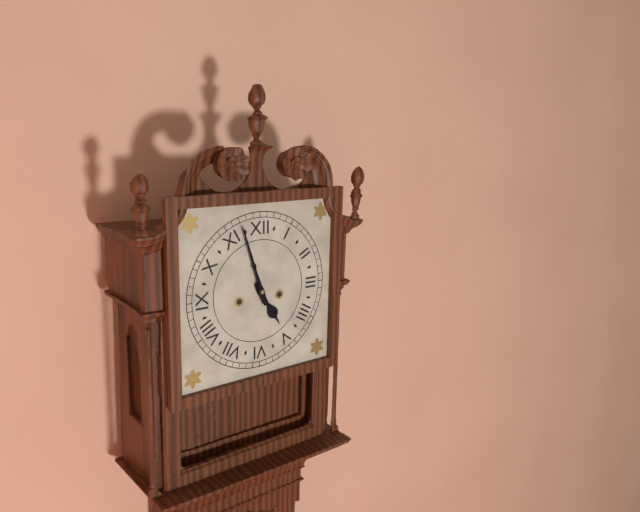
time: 4:57
